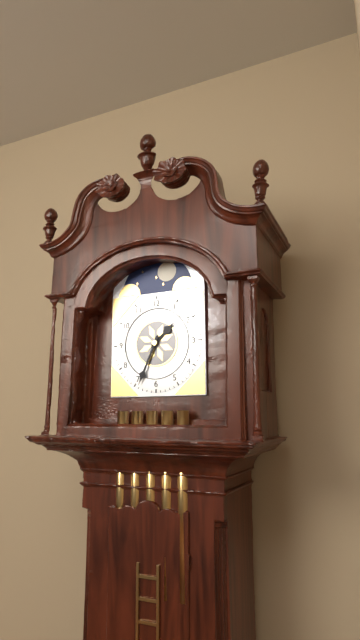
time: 1:34
